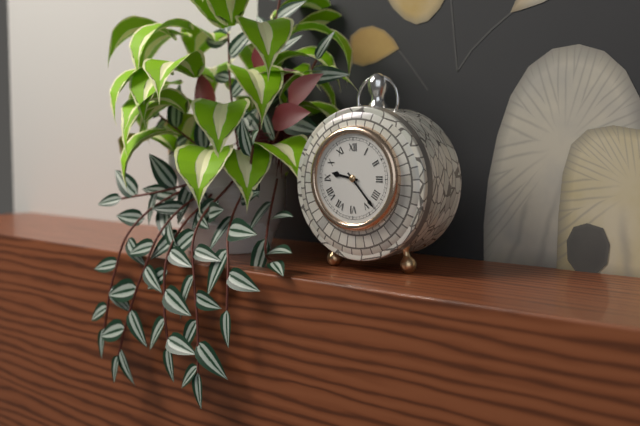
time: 9:23
